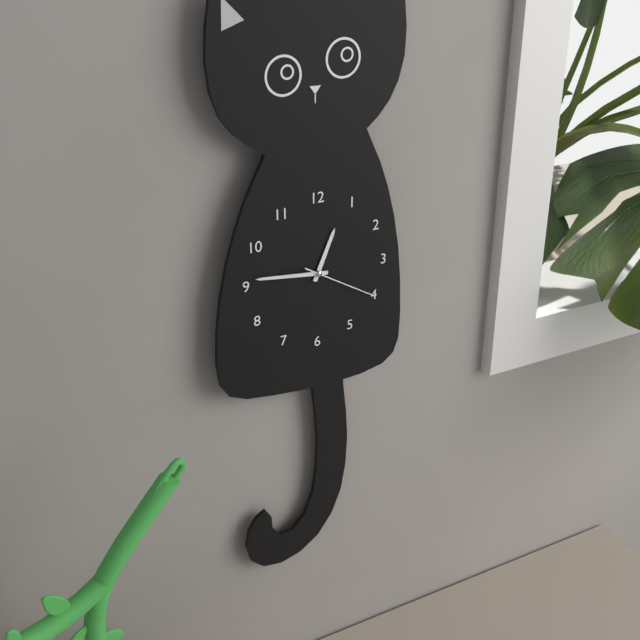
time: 12:46:20
